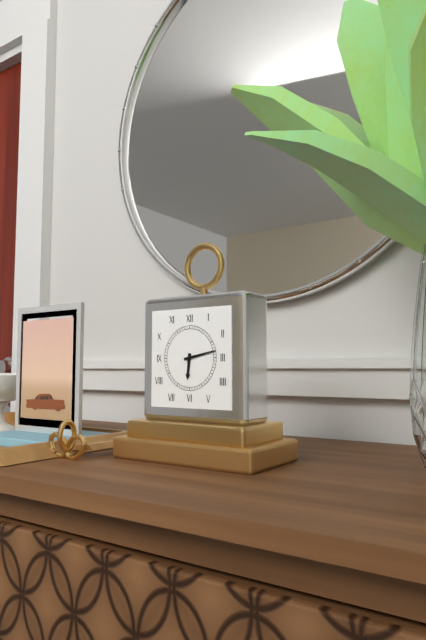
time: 6:13
